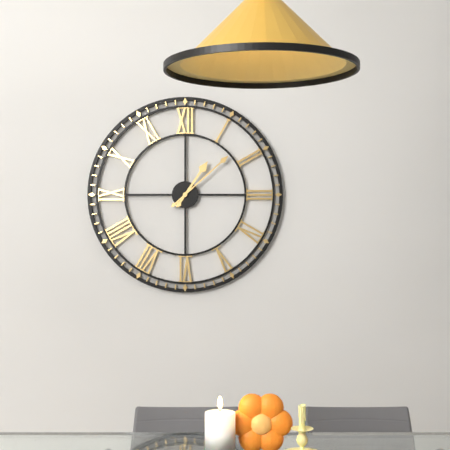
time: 1:08
